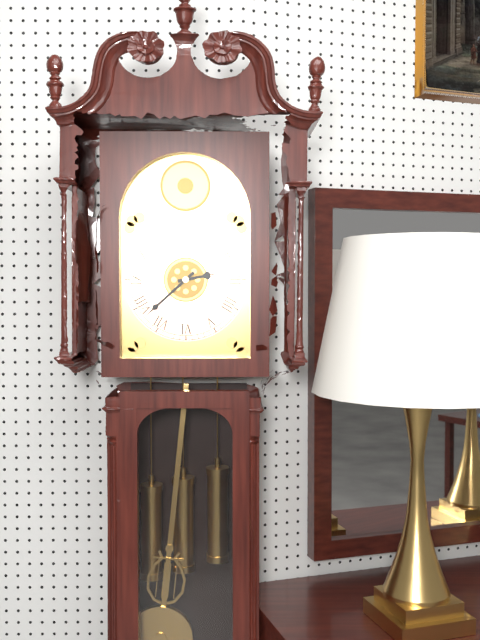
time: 2:38
